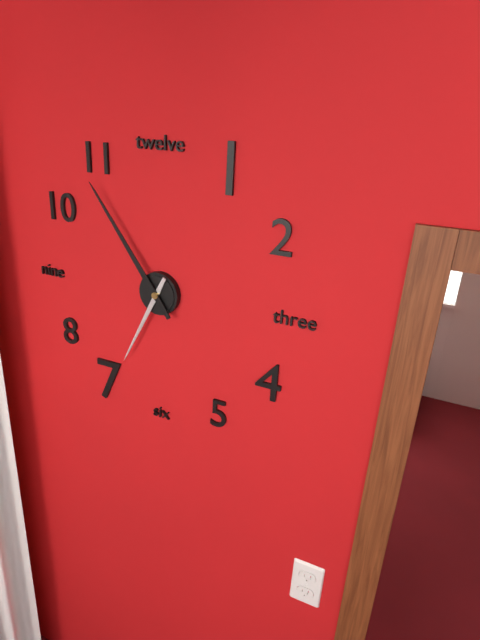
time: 6:54
